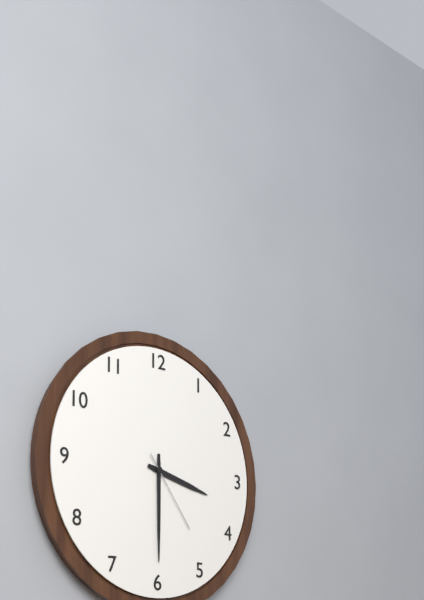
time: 3:30:24
